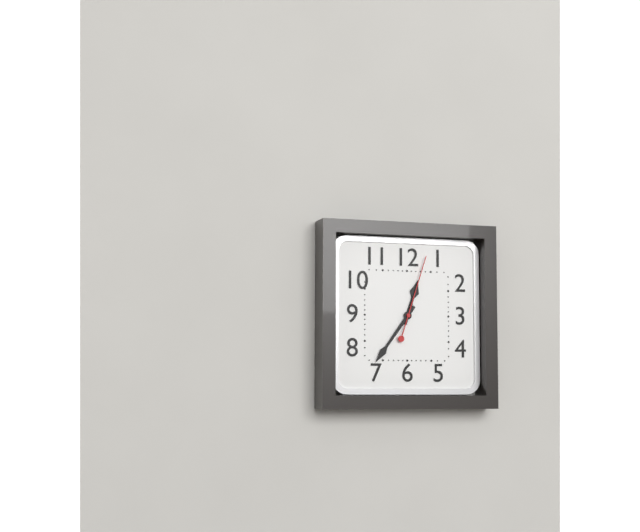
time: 12:36:03
